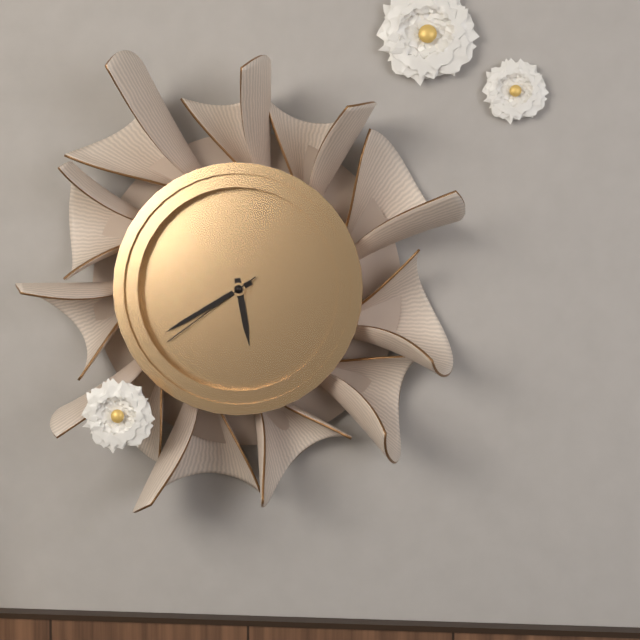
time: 5:40:39
